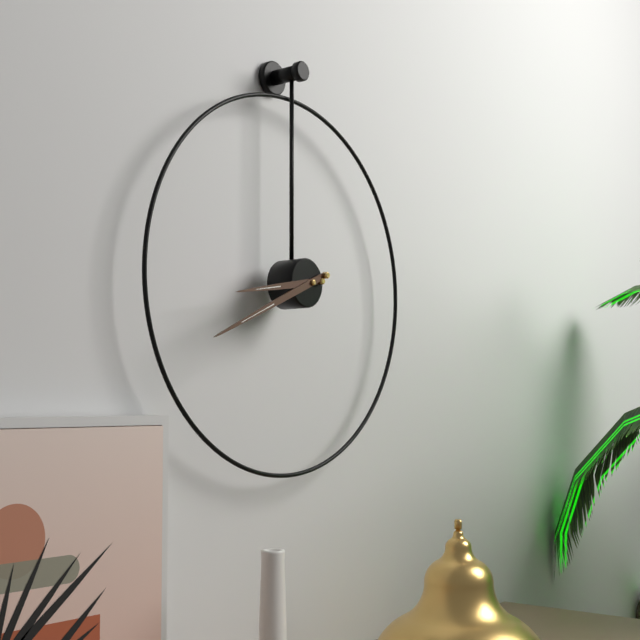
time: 8:41
